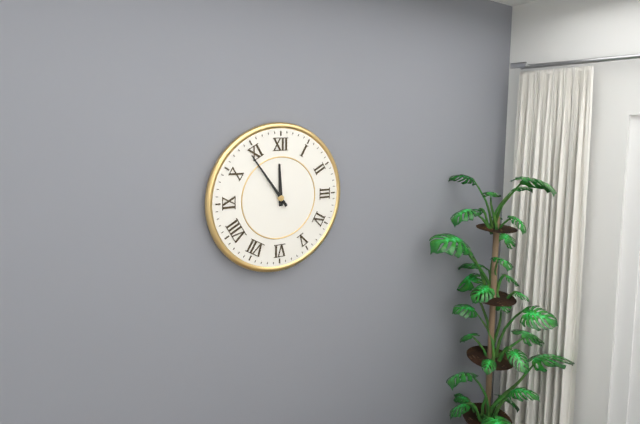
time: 11:54
